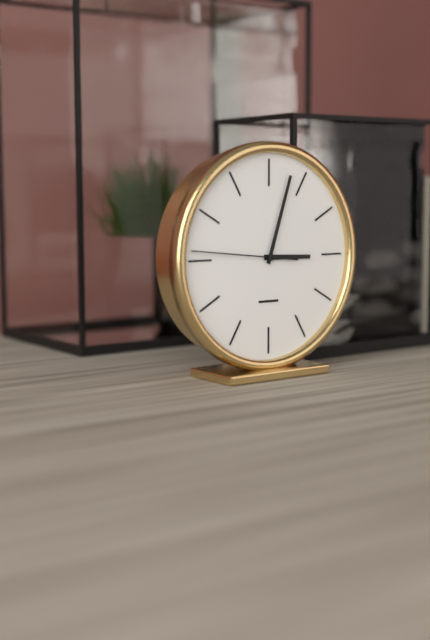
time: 3:03:46
